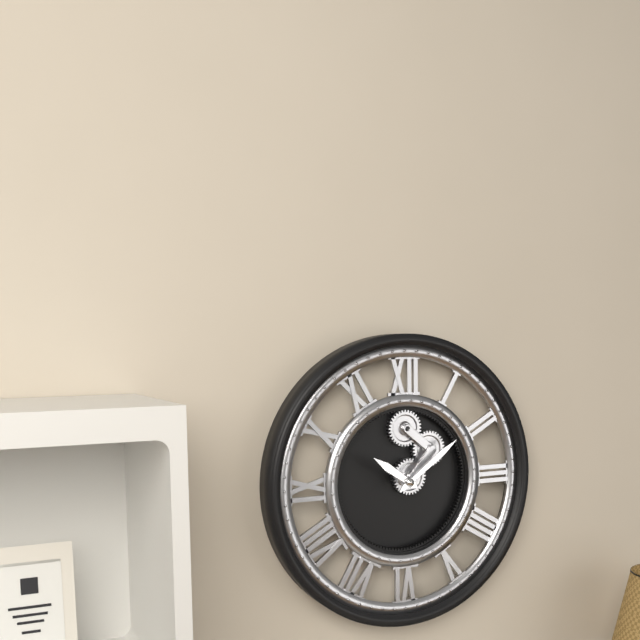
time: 10:09
